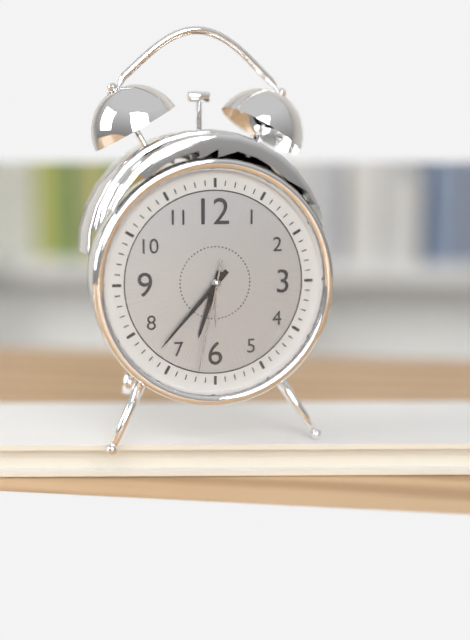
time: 6:37:32
